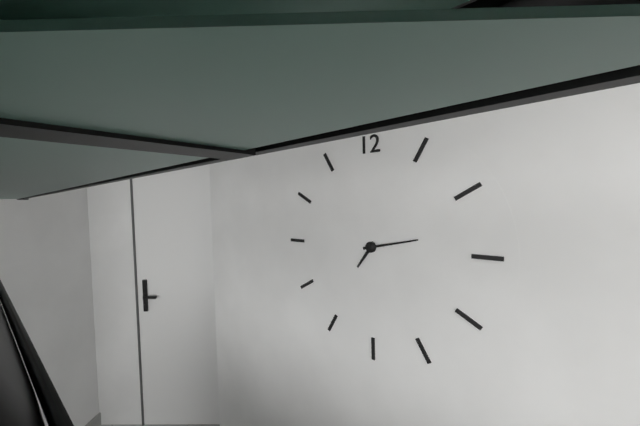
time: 7:13
